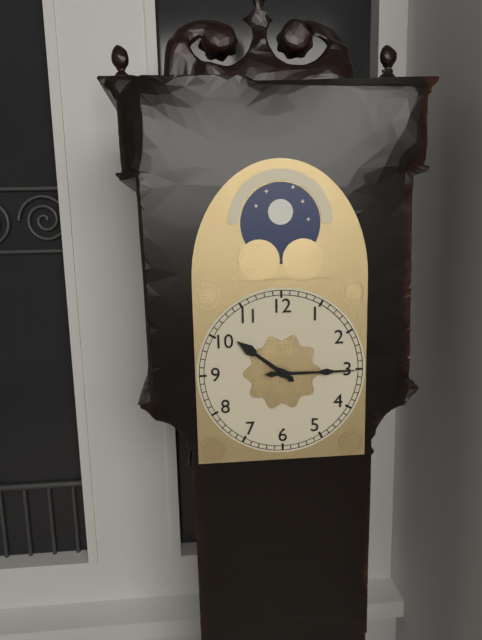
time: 10:15
